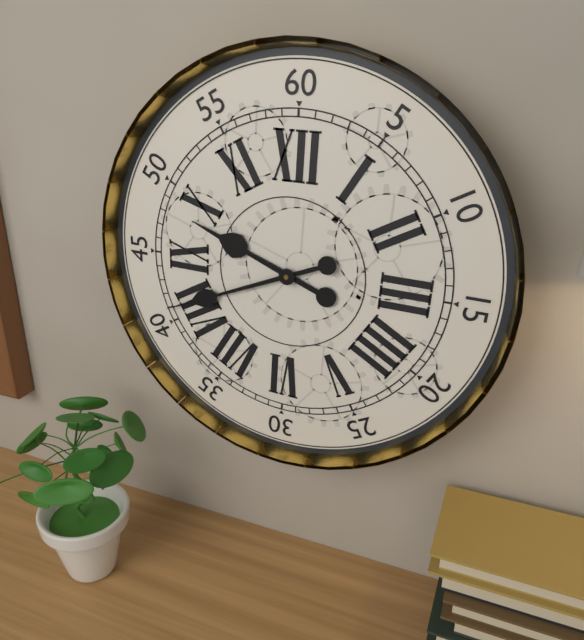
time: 9:41
